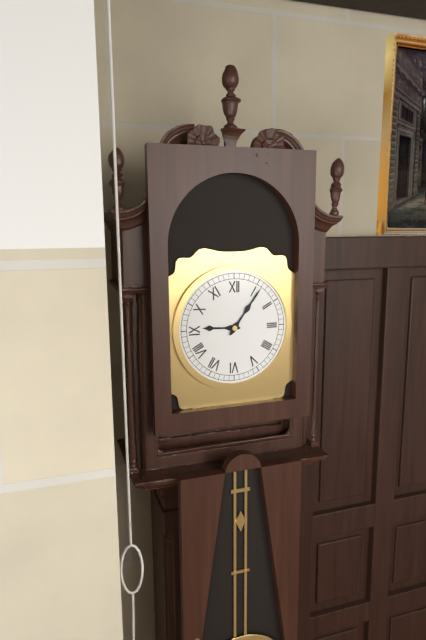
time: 9:06
